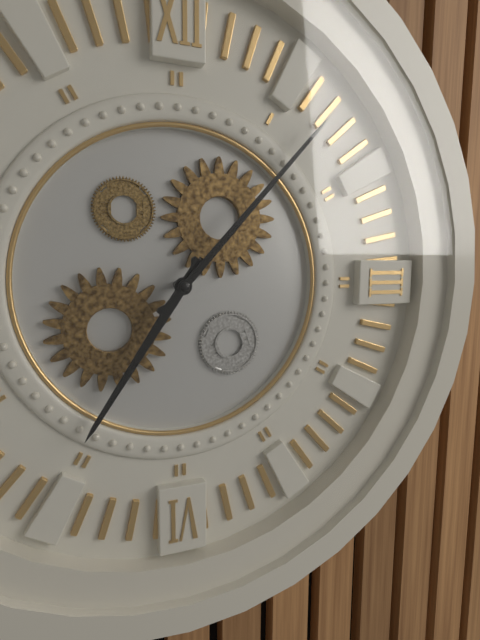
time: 7:07
